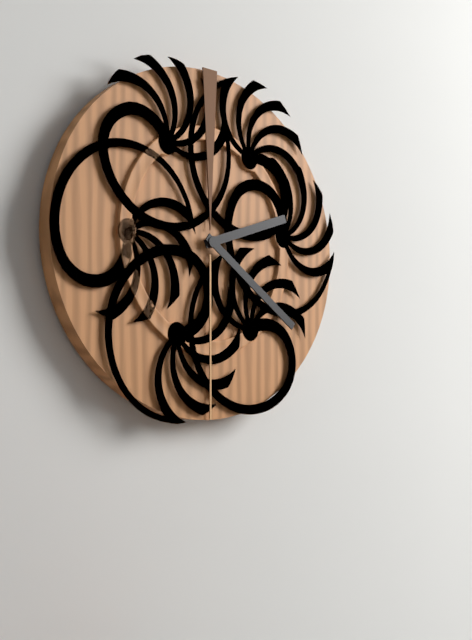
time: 2:21
